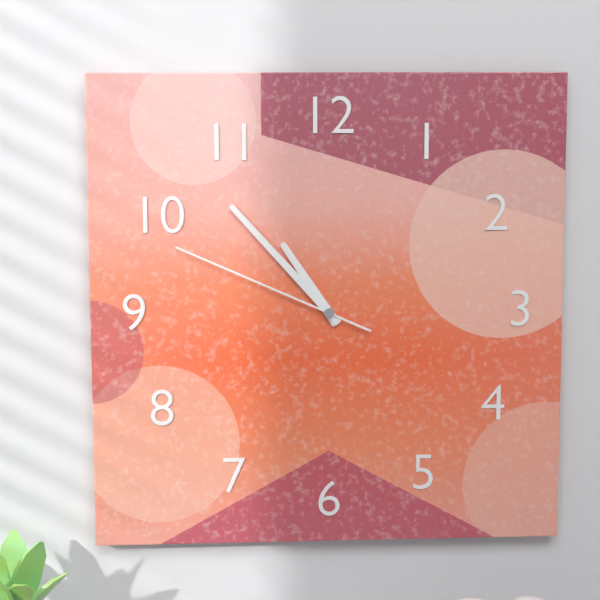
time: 10:53:49
